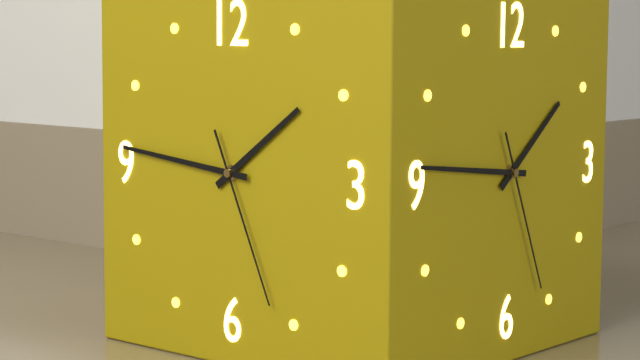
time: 1:46:26
